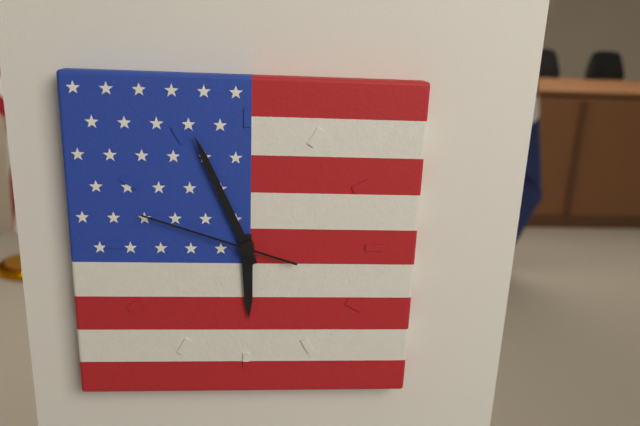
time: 5:56:48
